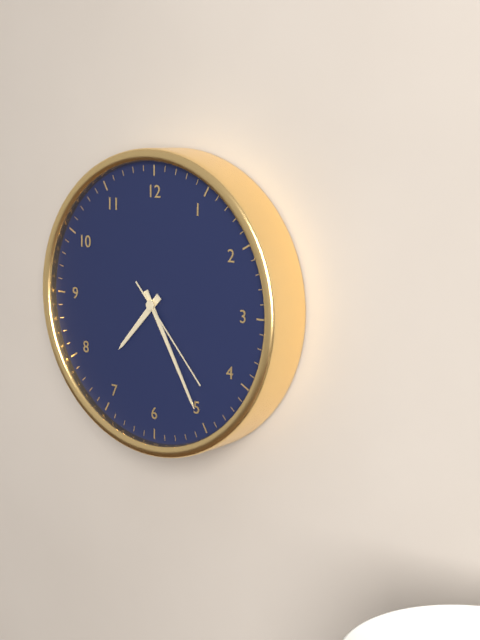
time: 7:25:23
